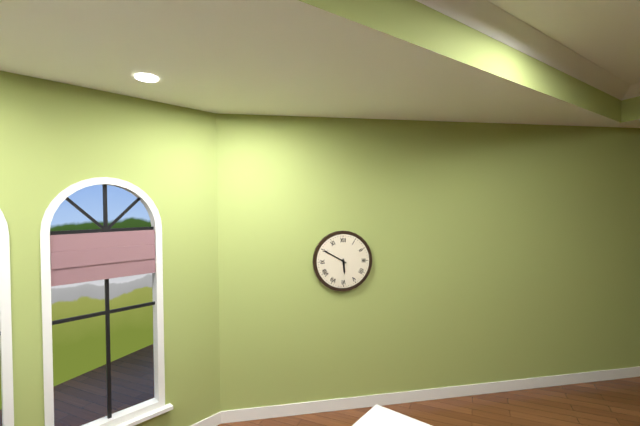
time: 5:50
